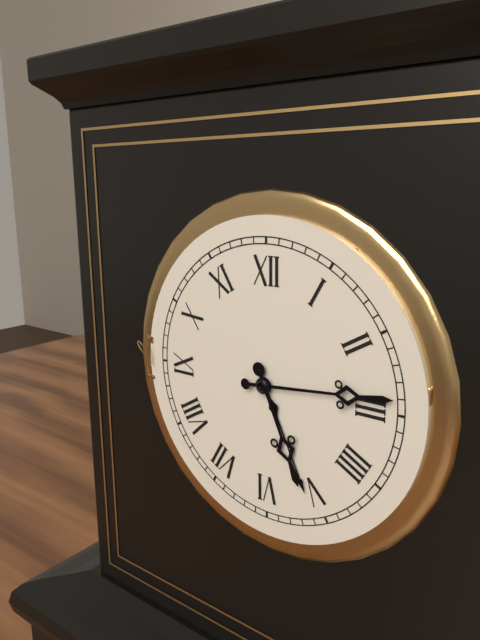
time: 5:14
